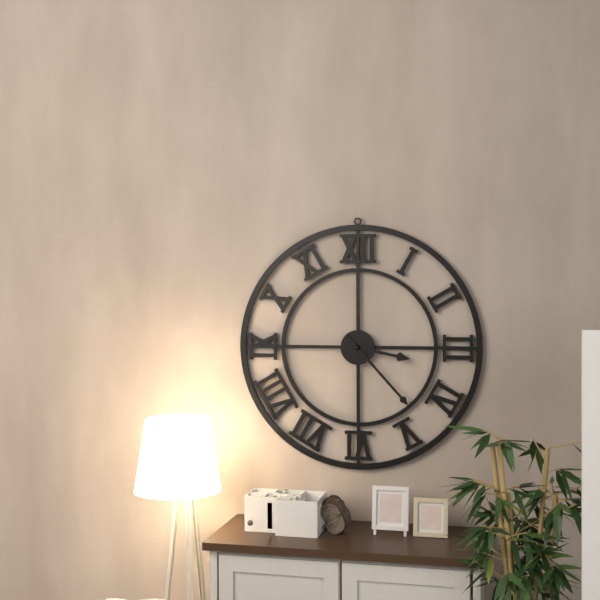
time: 3:23
